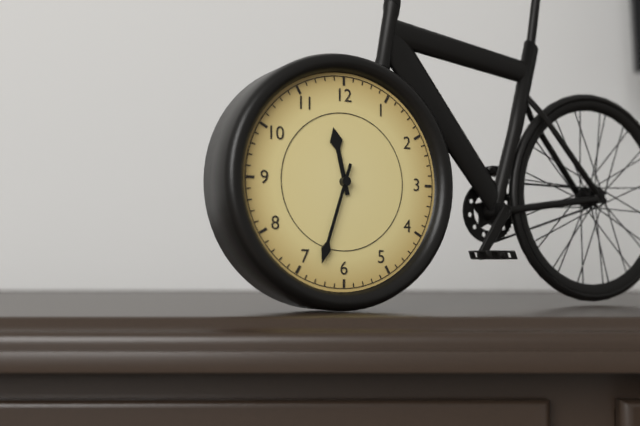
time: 11:33
